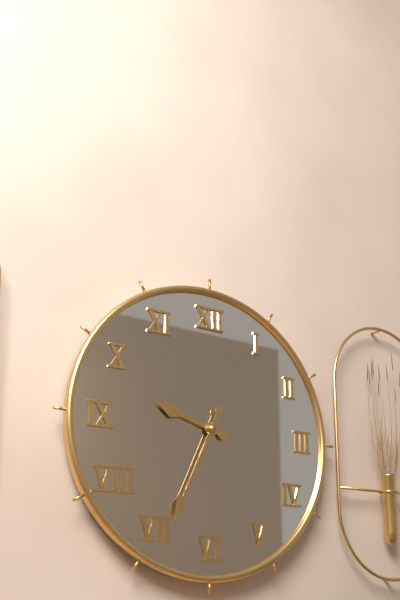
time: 9:34
